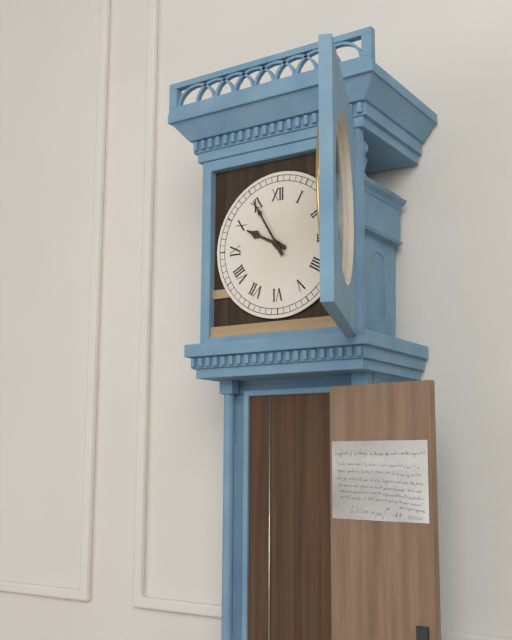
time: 9:55
